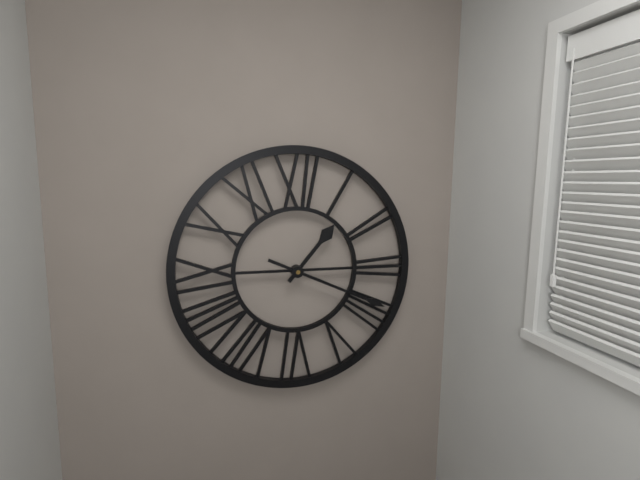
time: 1:19
